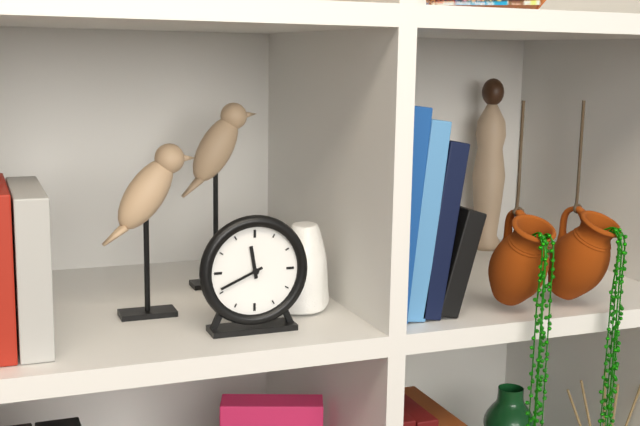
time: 11:41
